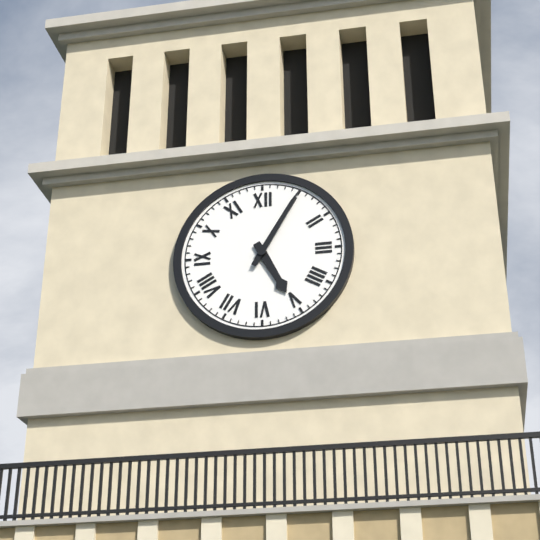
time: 5:05
